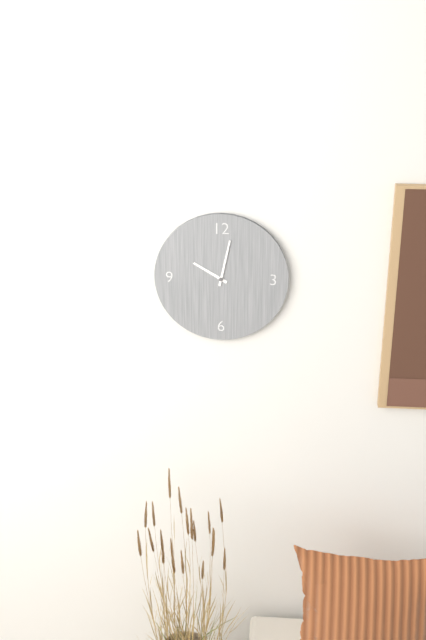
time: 10:02
